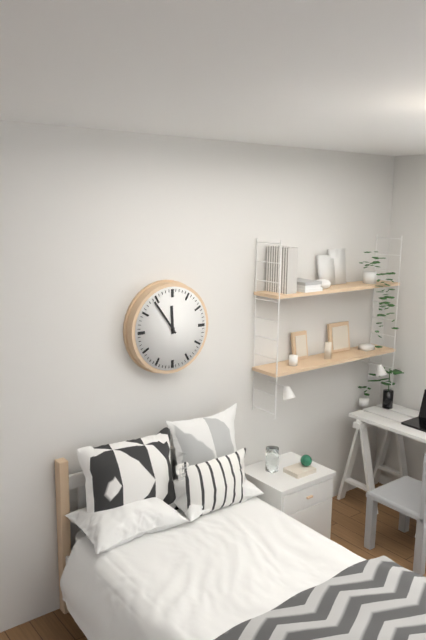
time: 11:54
